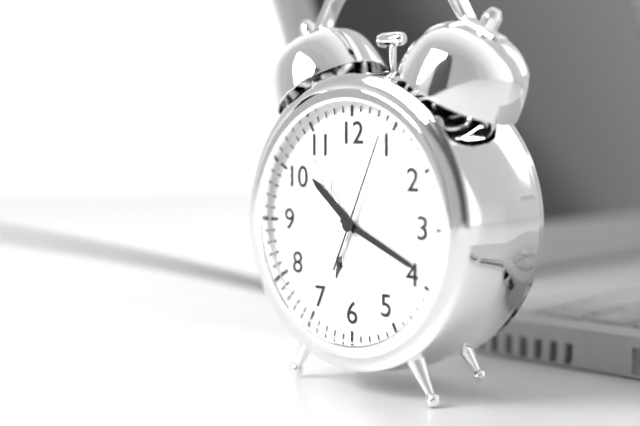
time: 10:19:04
